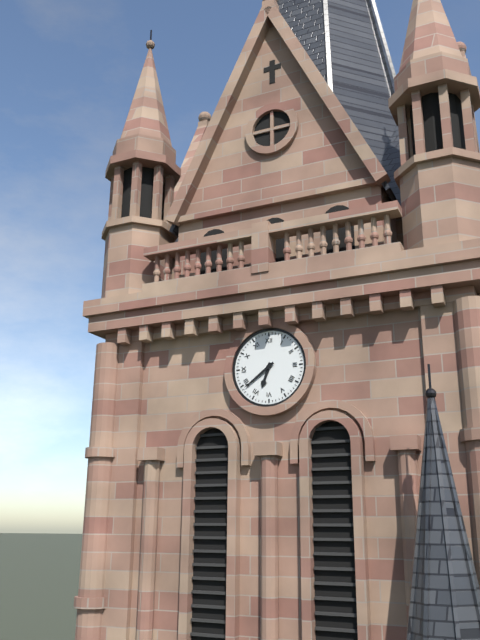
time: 6:39
